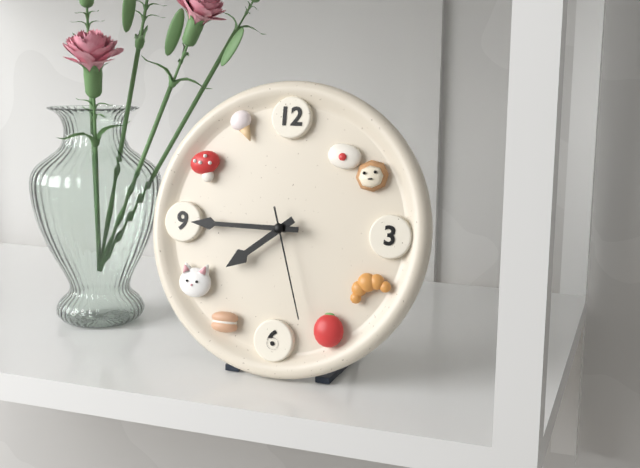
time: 7:45:27
